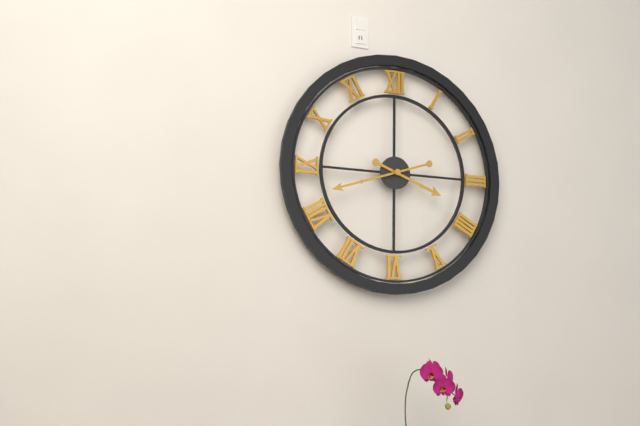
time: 3:42
